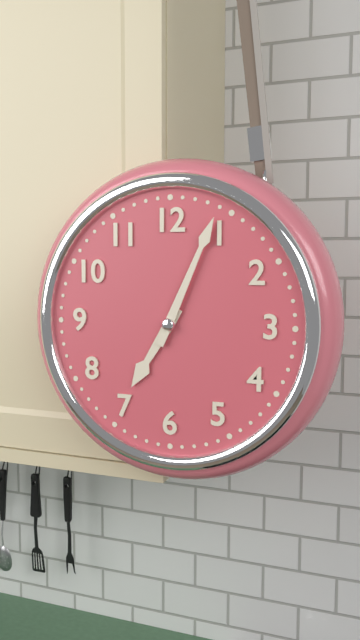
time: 7:04
